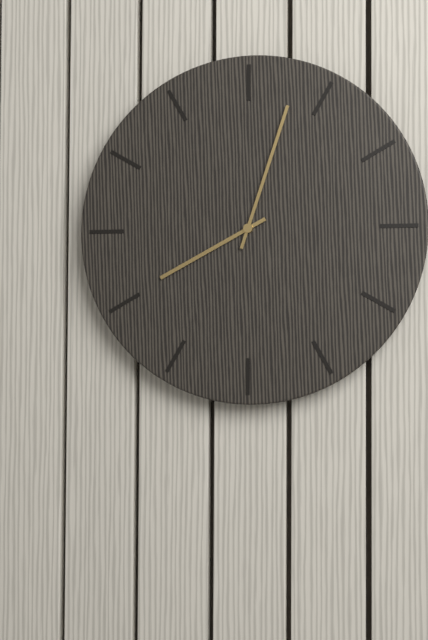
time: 8:03
